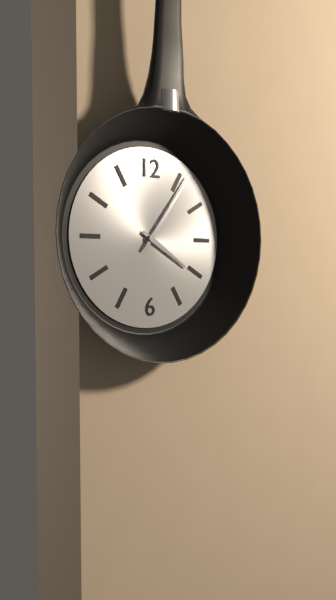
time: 4:06
